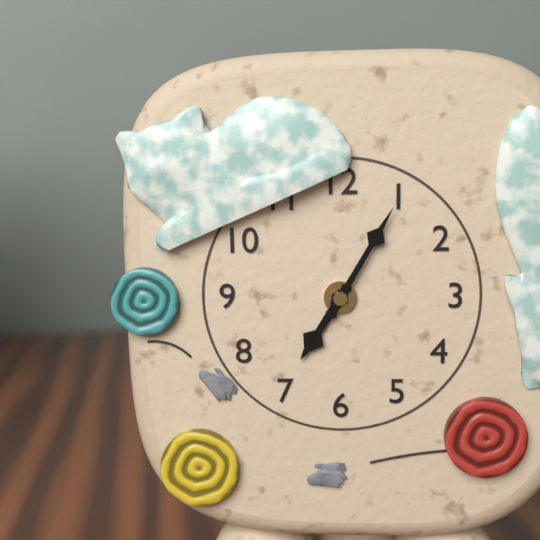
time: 7:05
